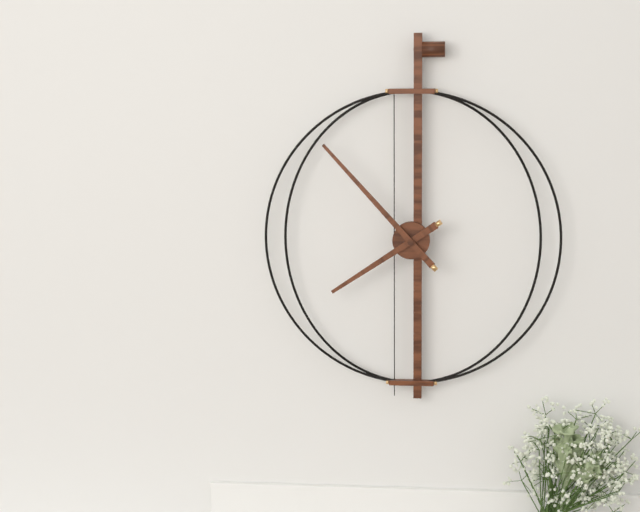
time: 7:53
